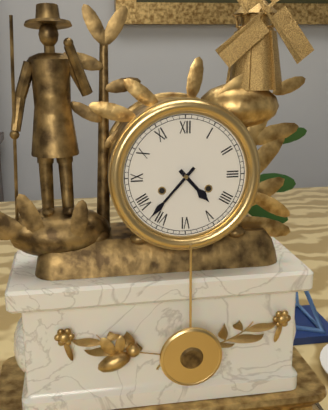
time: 4:37
